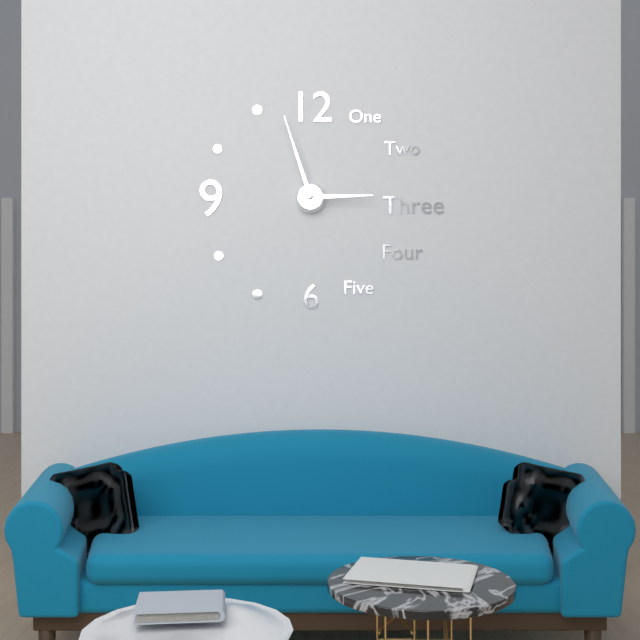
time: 2:57
